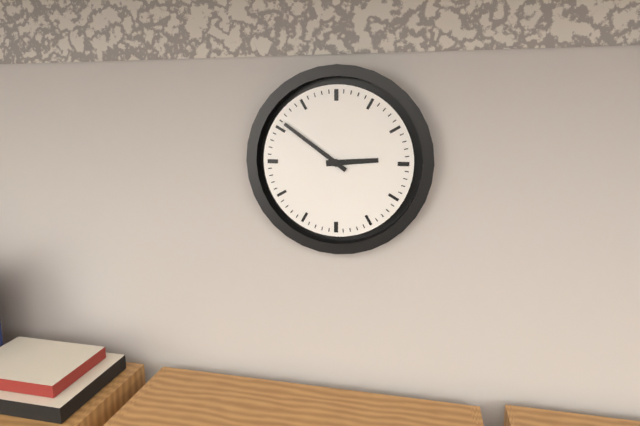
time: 2:51
